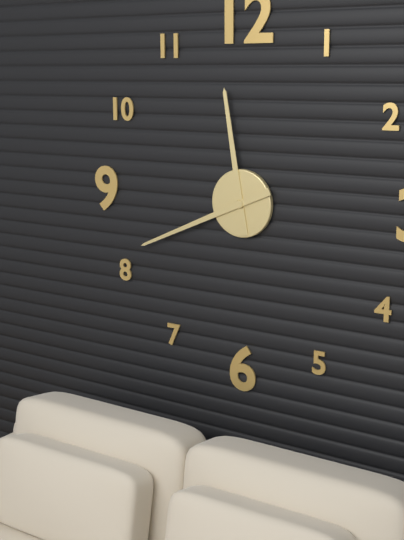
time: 11:41
